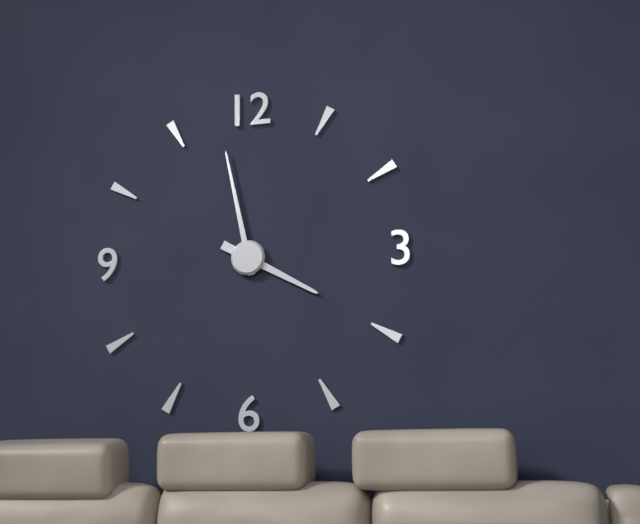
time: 3:58
